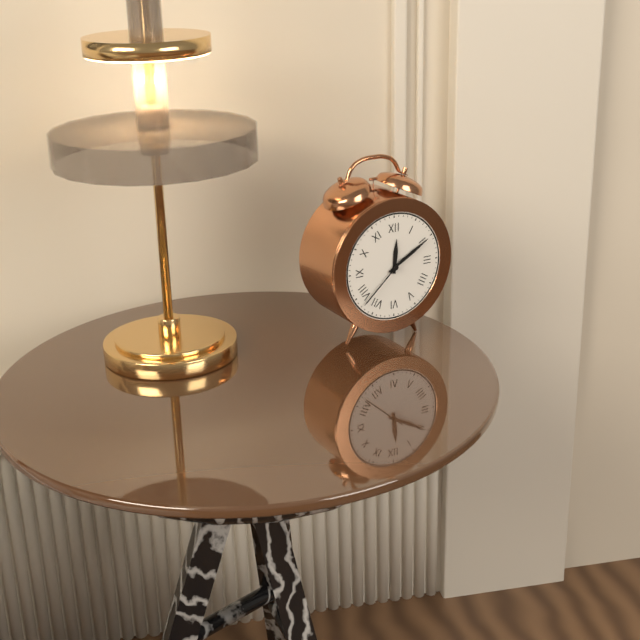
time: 12:10:38
